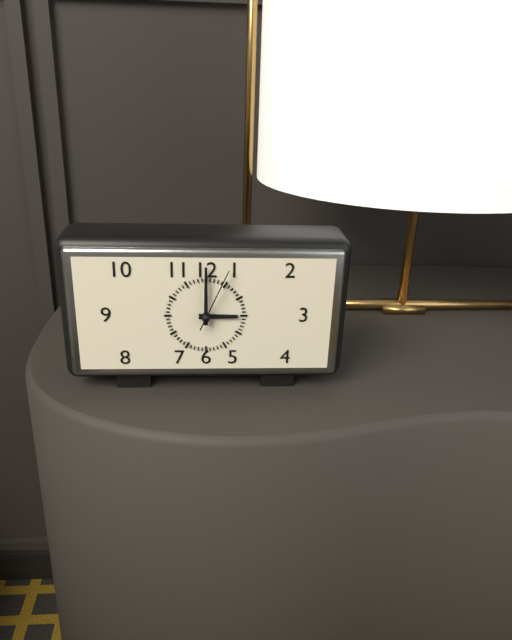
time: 3:00:04
